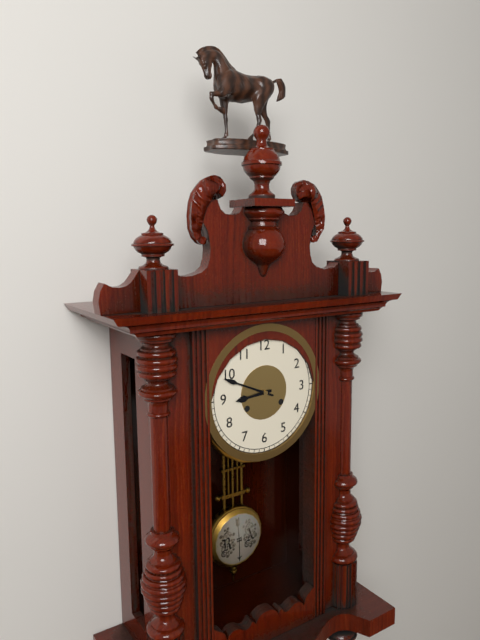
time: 8:49
